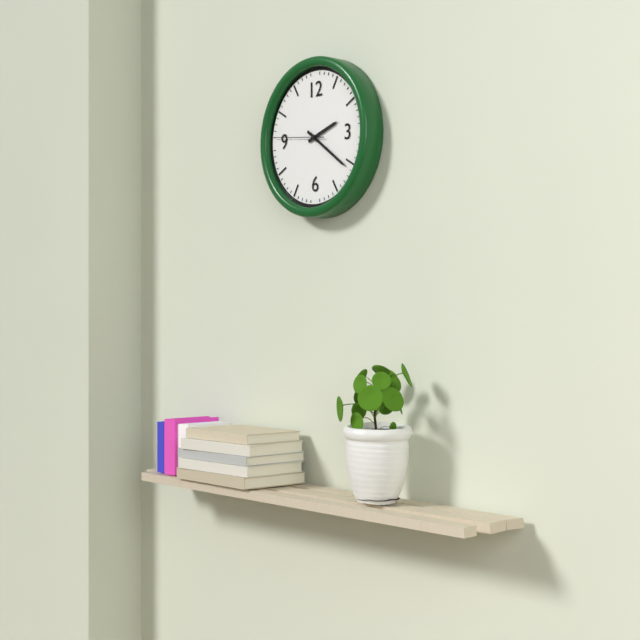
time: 2:21:46
